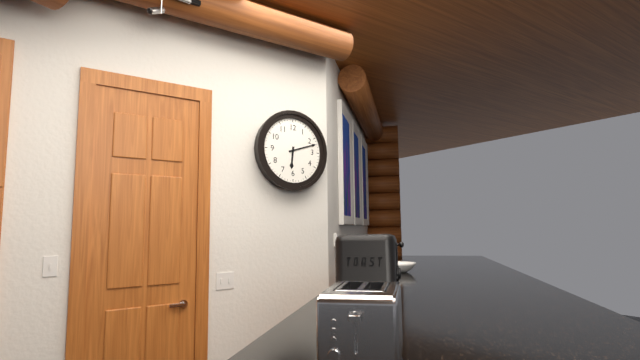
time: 6:12
